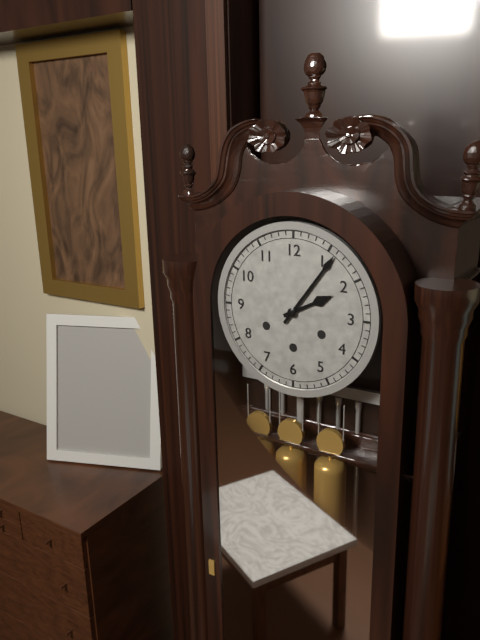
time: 2:06
